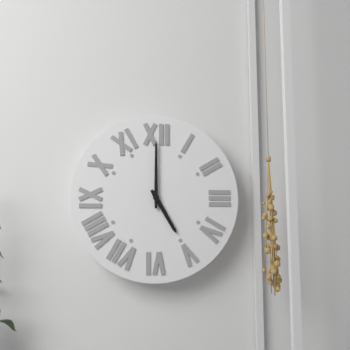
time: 5:00
